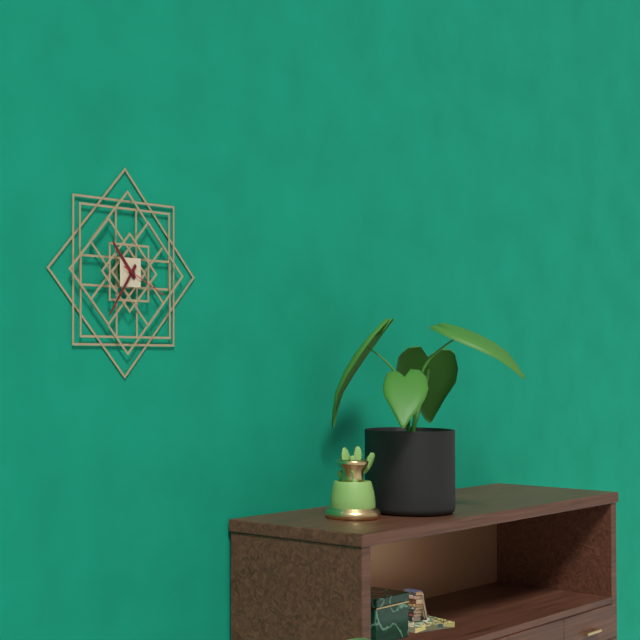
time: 10:36:19
